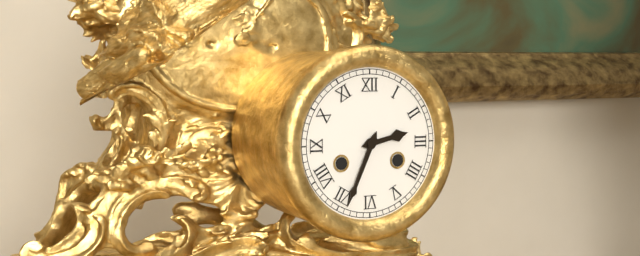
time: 2:34
